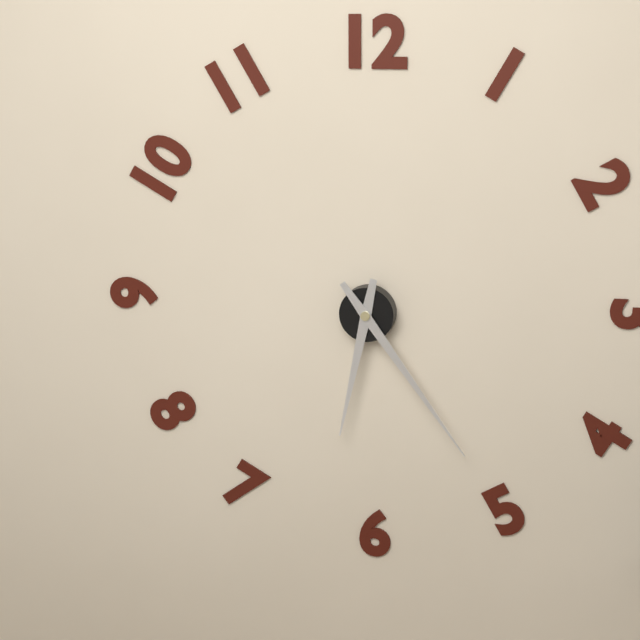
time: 6:24
